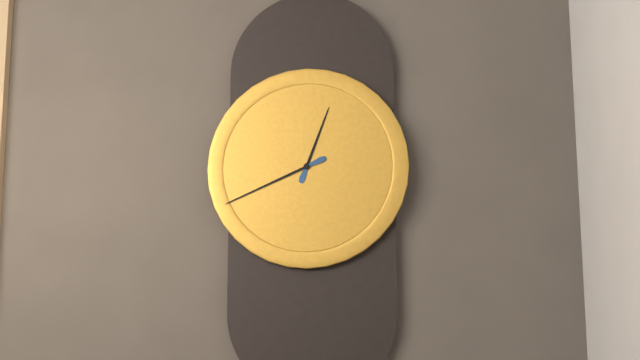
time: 12:41
